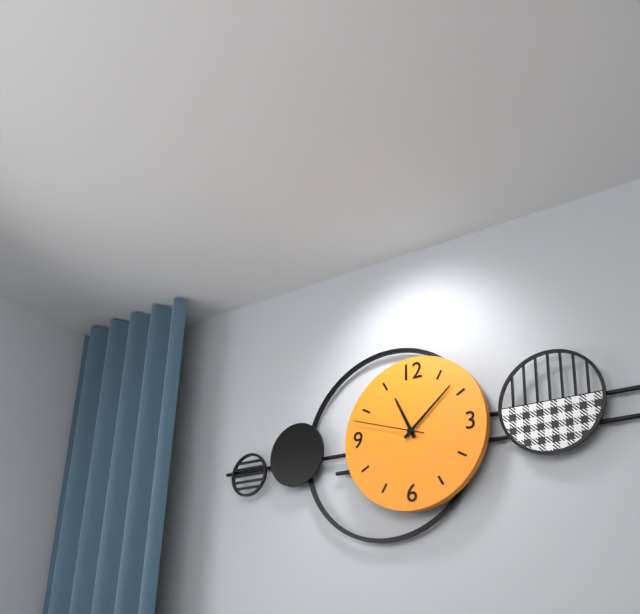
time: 11:08:48
